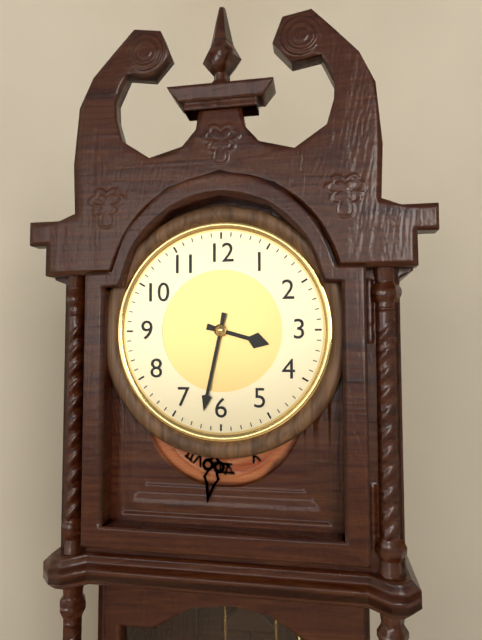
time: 3:32
